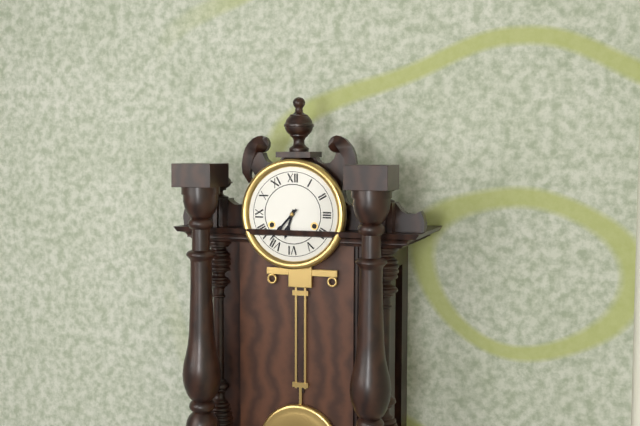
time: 6:37
